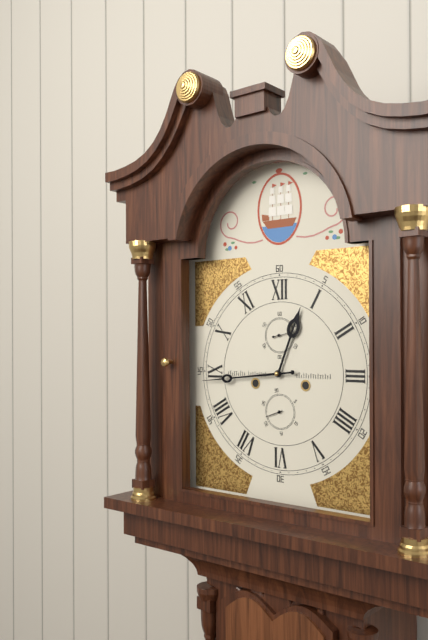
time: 12:44
